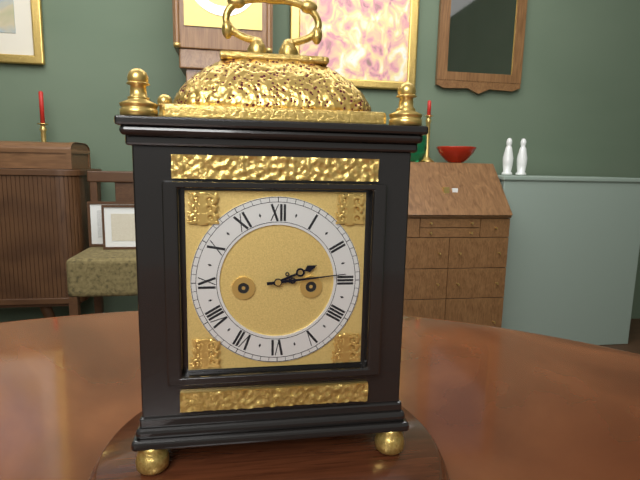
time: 2:14
